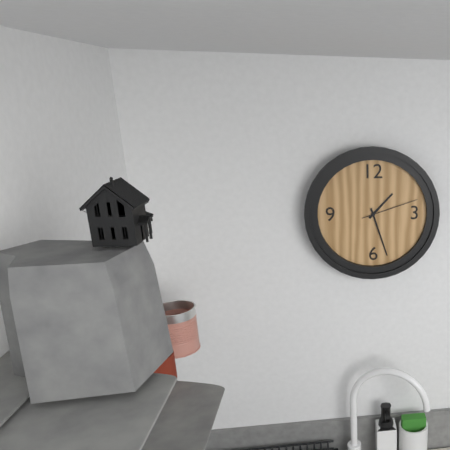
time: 1:27:12
